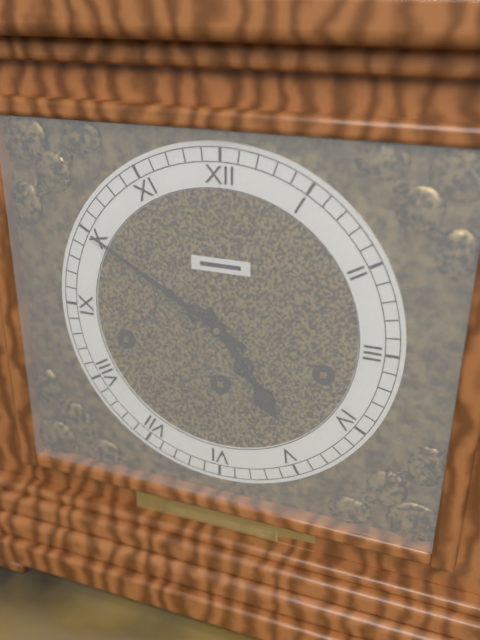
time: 4:50
